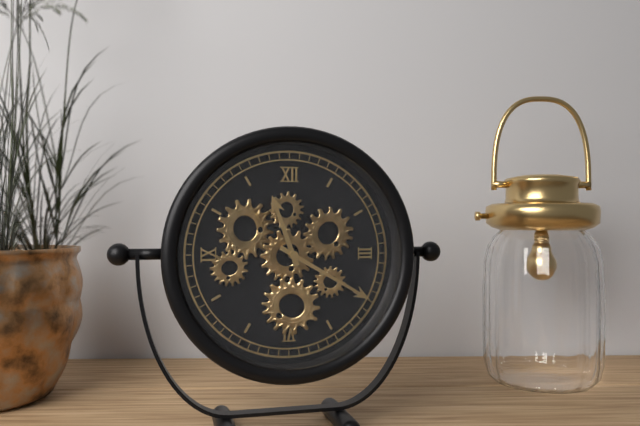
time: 11:20
